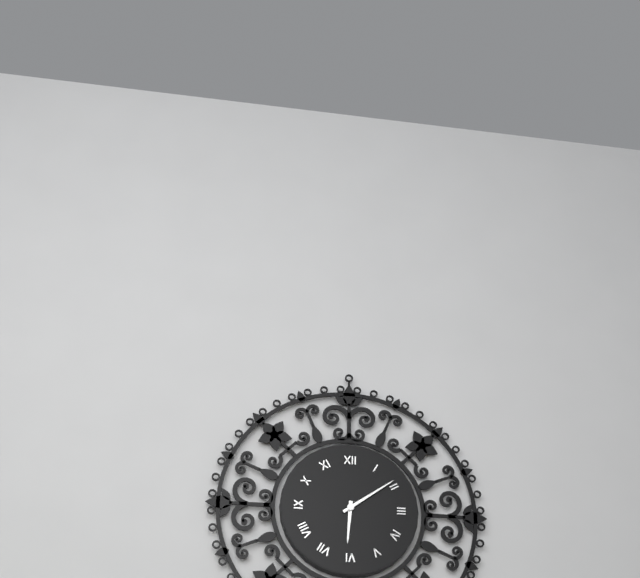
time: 6:09
